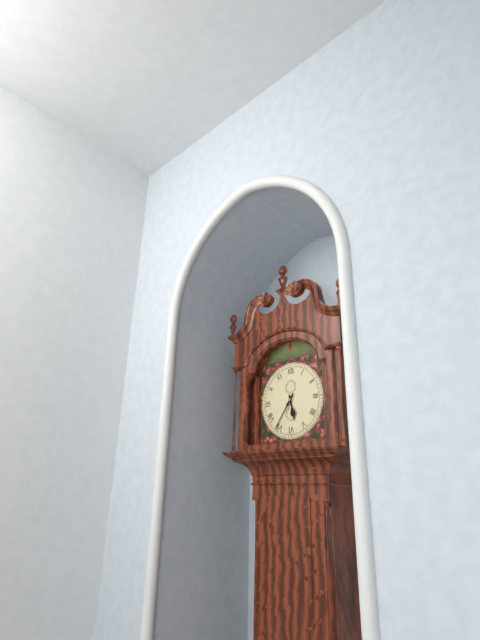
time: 5:36
